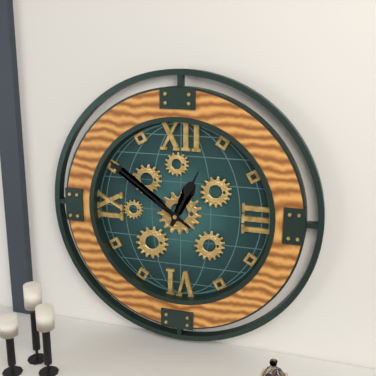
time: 12:51
